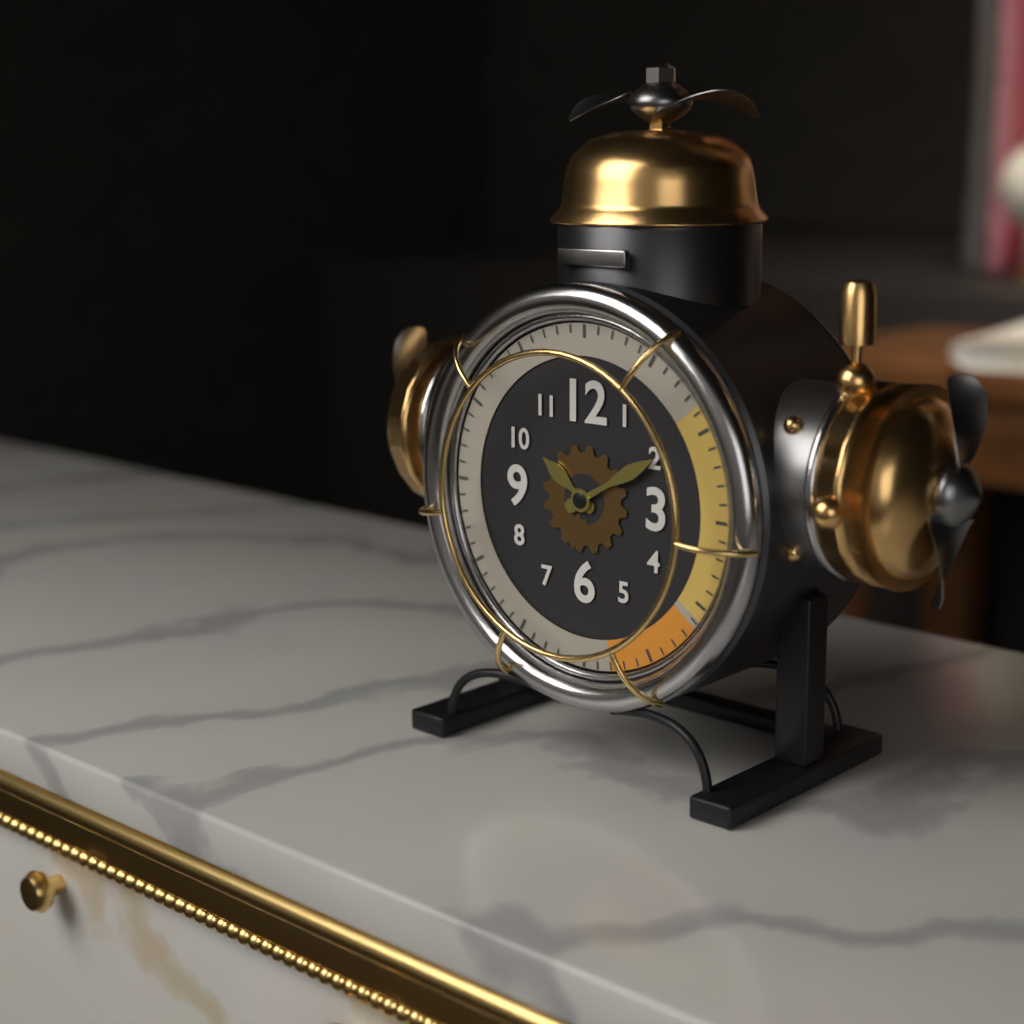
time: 10:10
